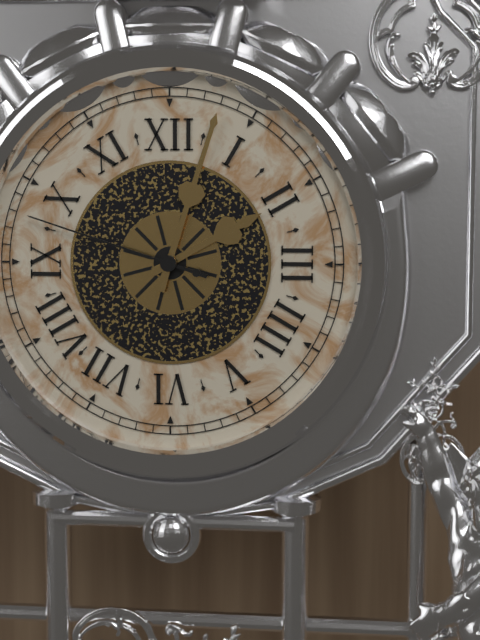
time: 2:03:48
